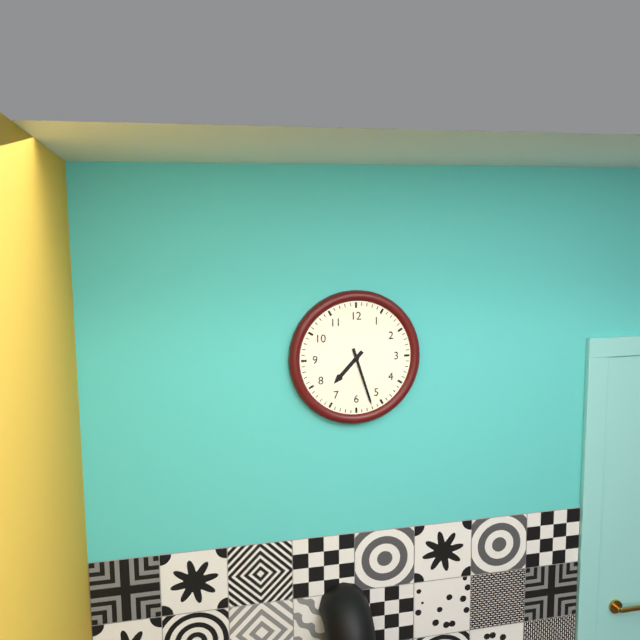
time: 7:27
